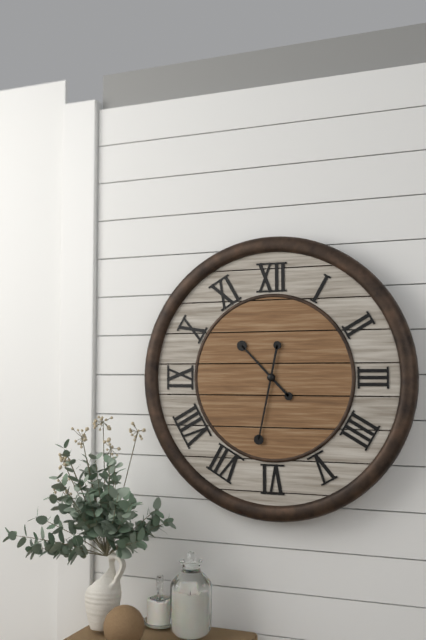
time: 10:32
